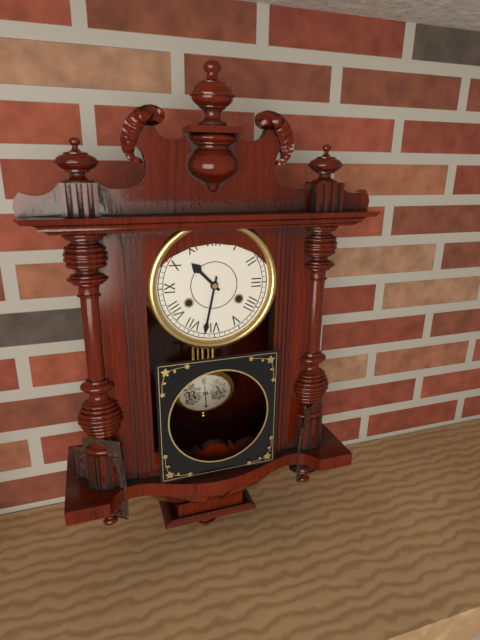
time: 10:32
